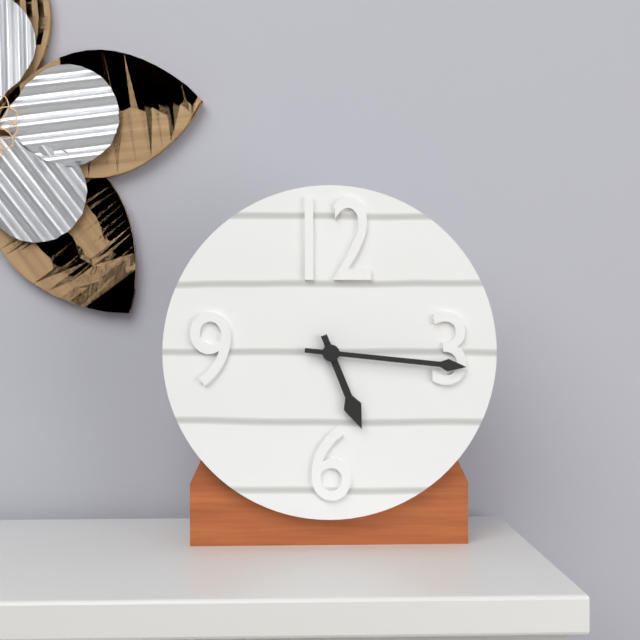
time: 5:16
